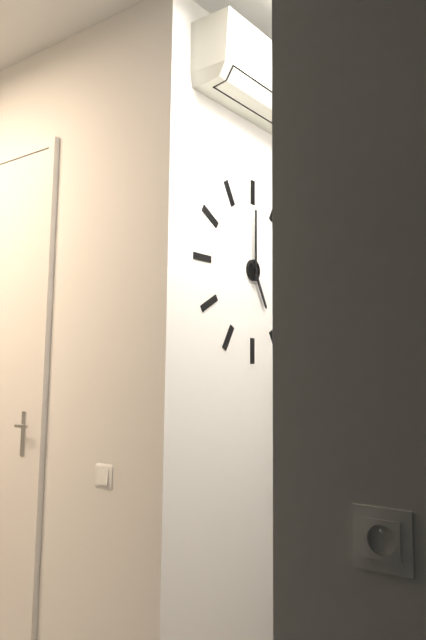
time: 5:00
